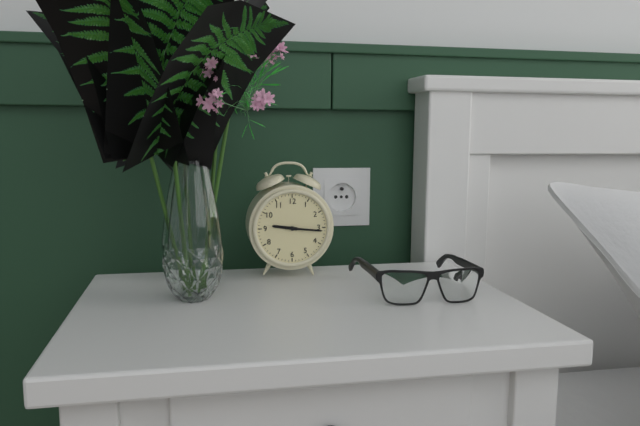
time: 9:16
